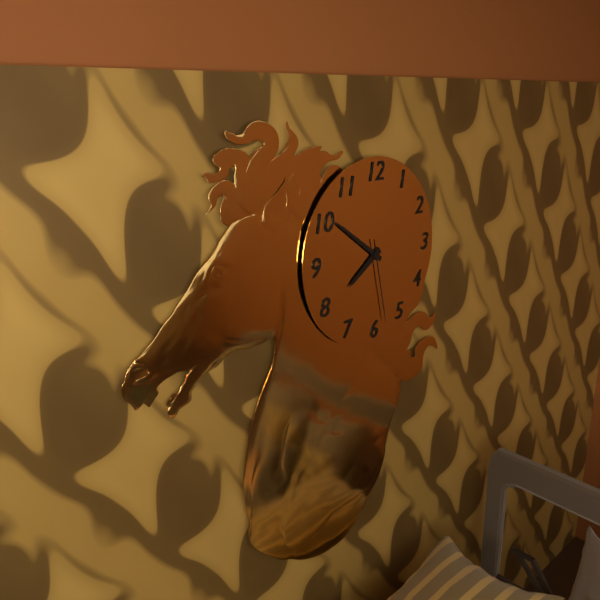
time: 7:51:28
